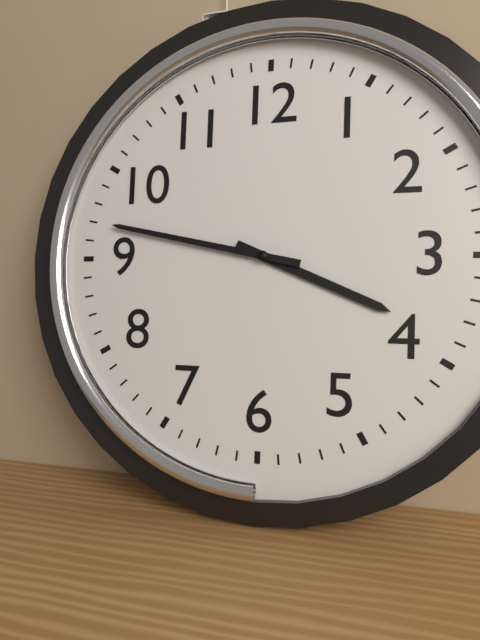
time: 3:47
